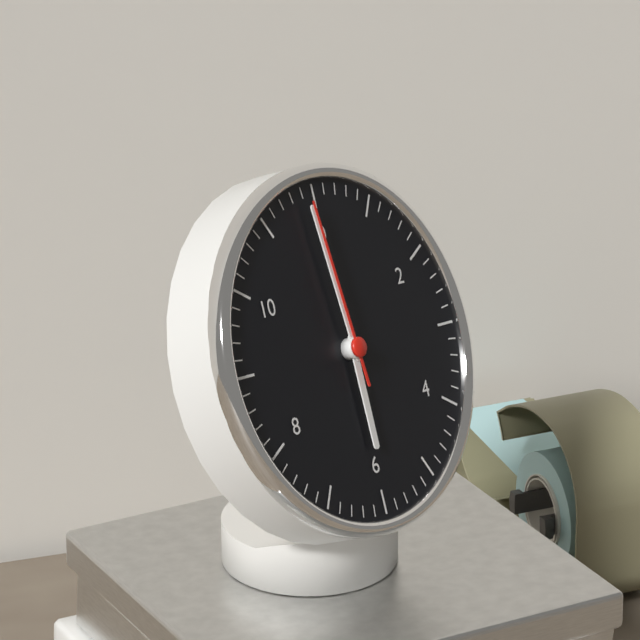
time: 5:59:59
